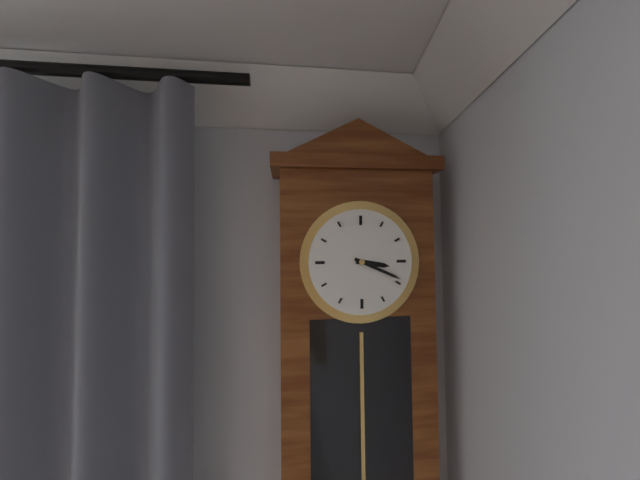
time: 3:19
